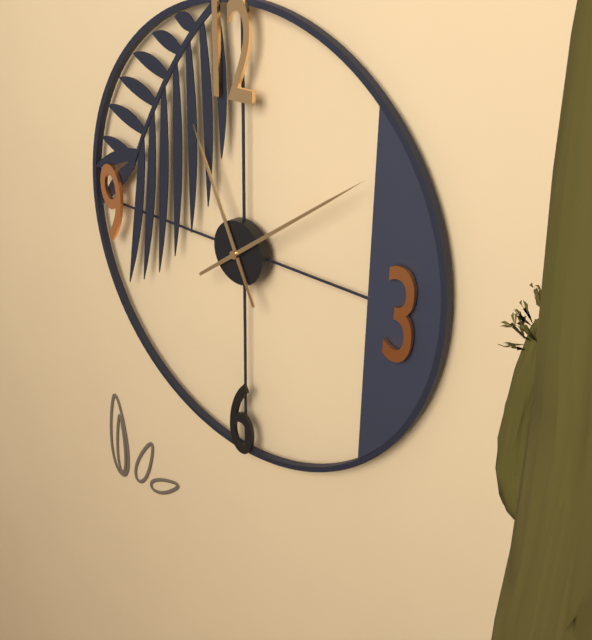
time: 11:09
